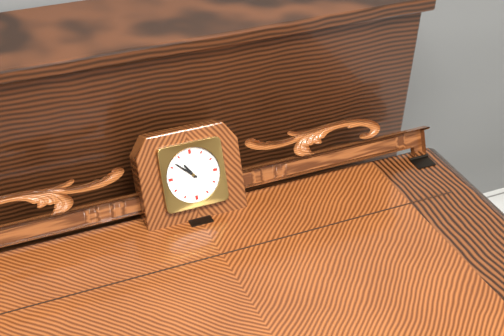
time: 10:52
